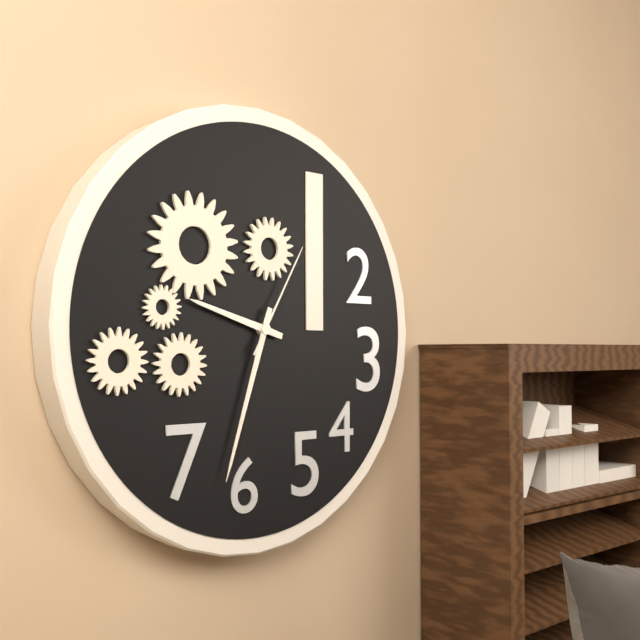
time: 9:33:05
